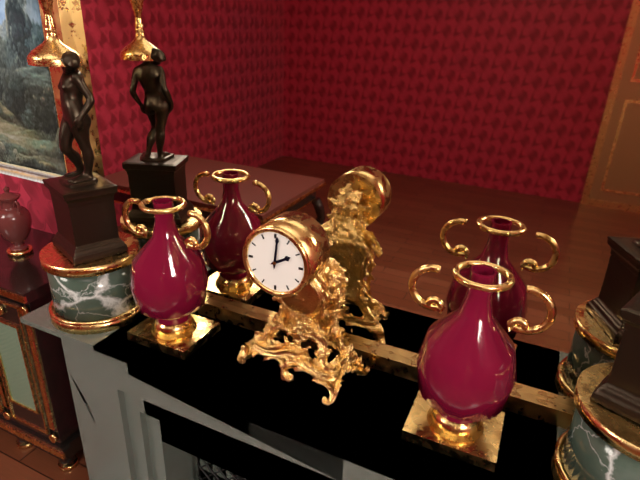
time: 2:01
